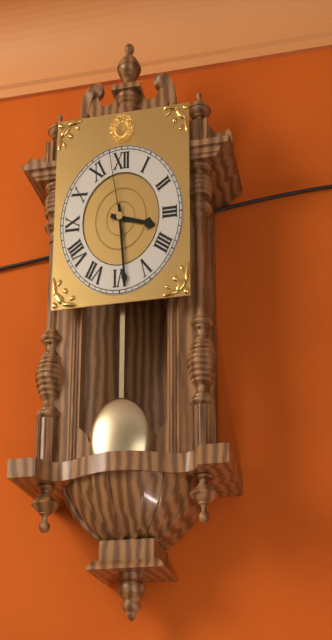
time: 3:29:58
